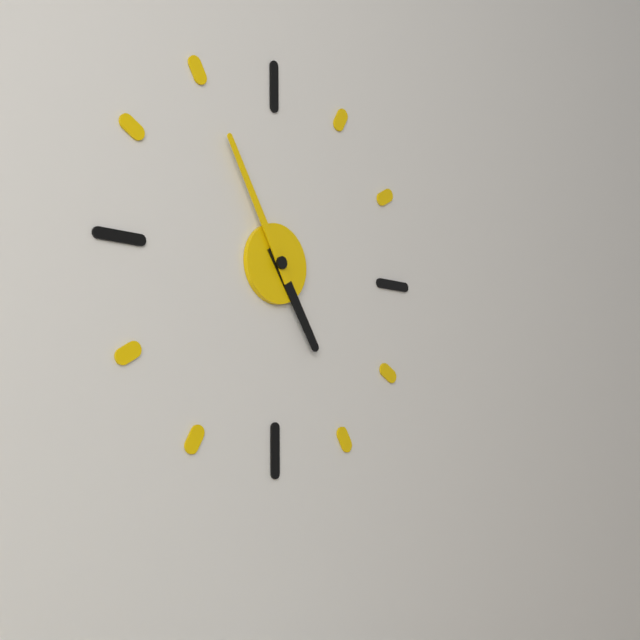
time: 4:55
